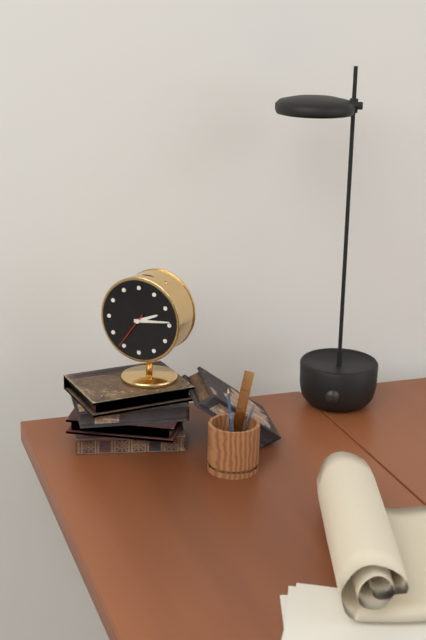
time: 2:14
